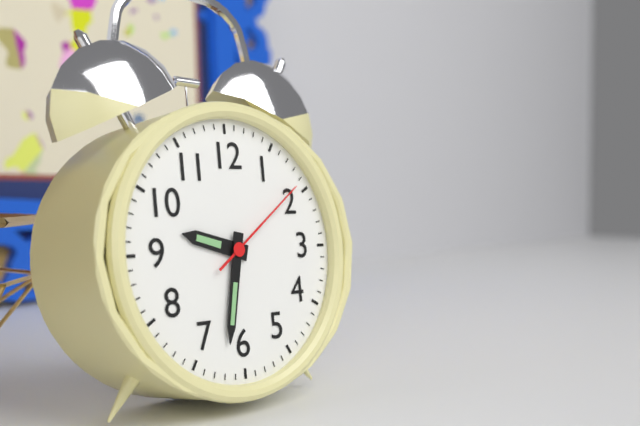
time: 9:32:09
